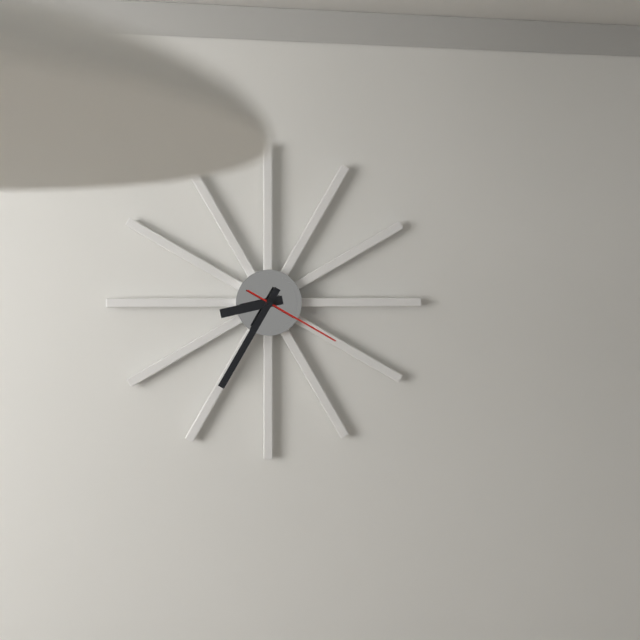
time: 8:35:20
